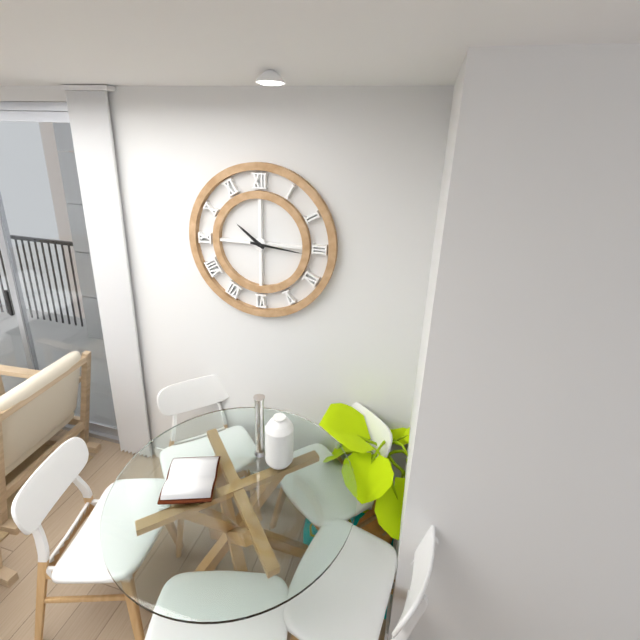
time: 10:16
